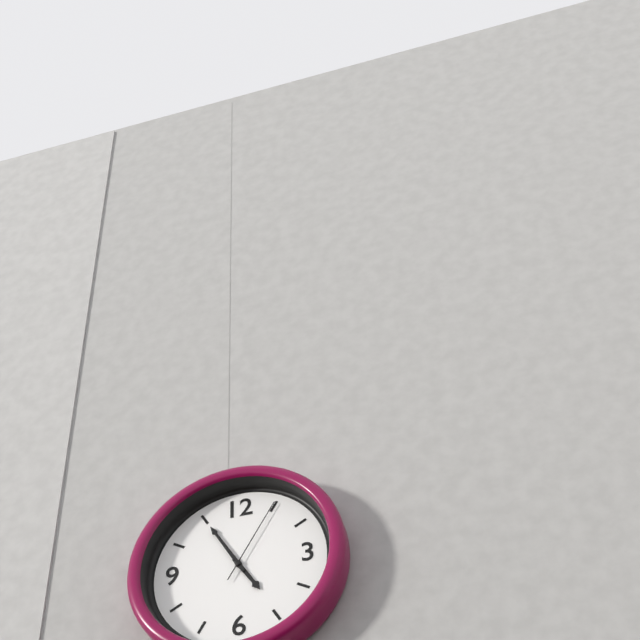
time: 4:55:05
